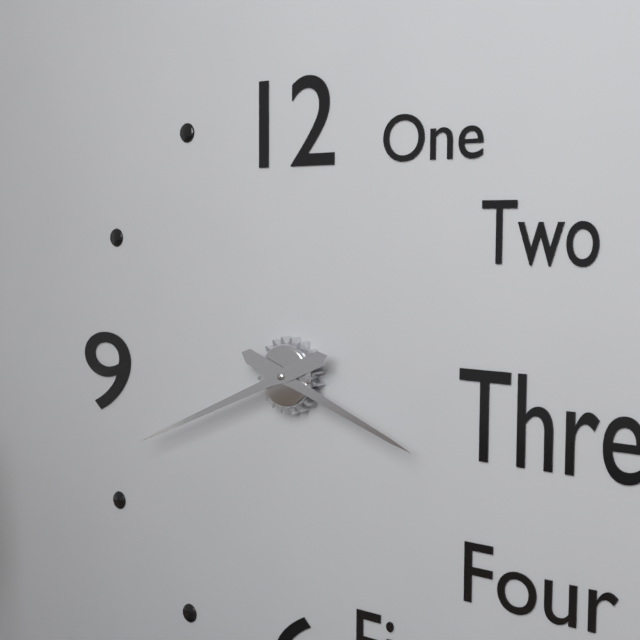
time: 3:41
